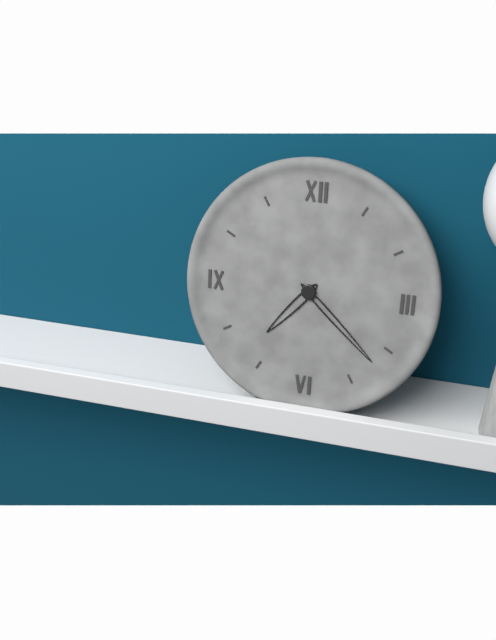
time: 7:22
